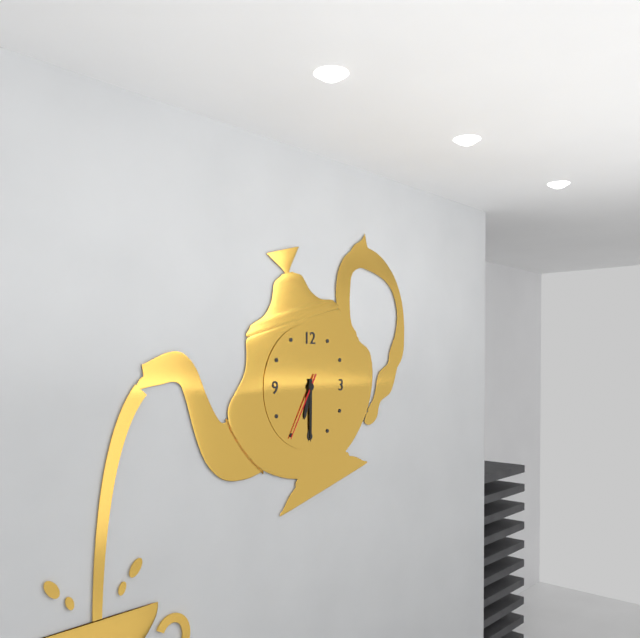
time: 6:30:35
